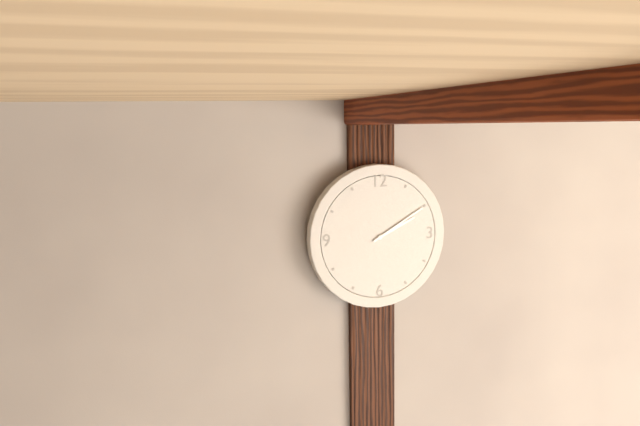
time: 2:10
